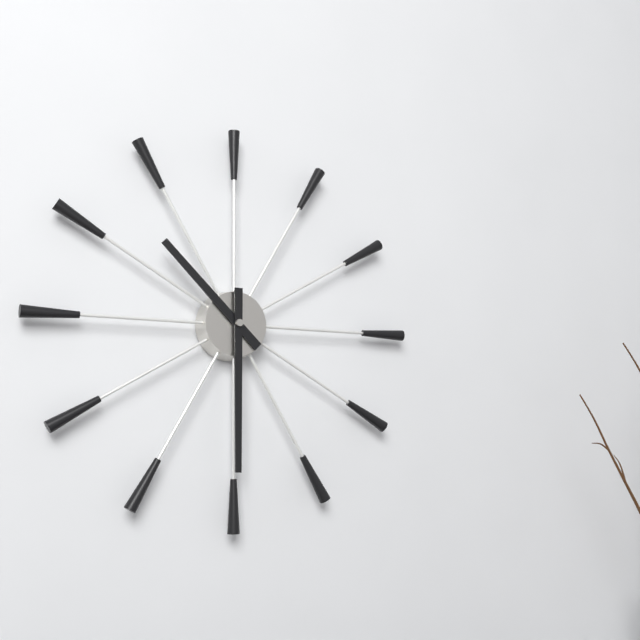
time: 10:30
